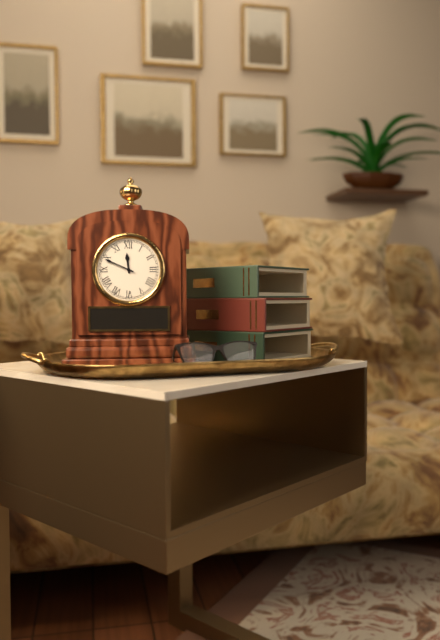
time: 11:49
